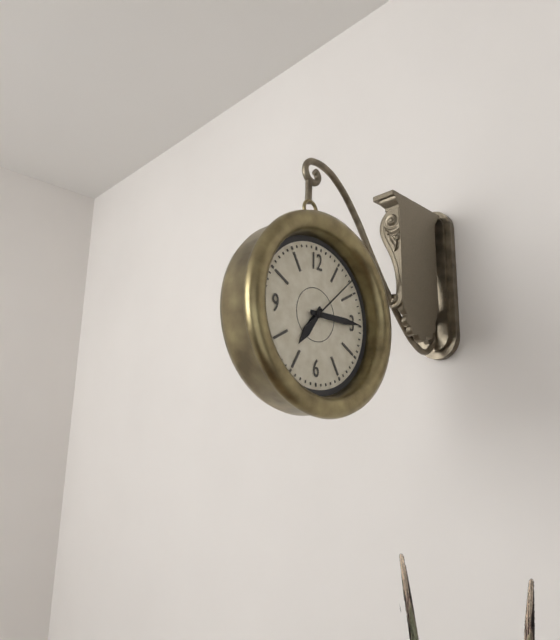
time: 7:15:08
